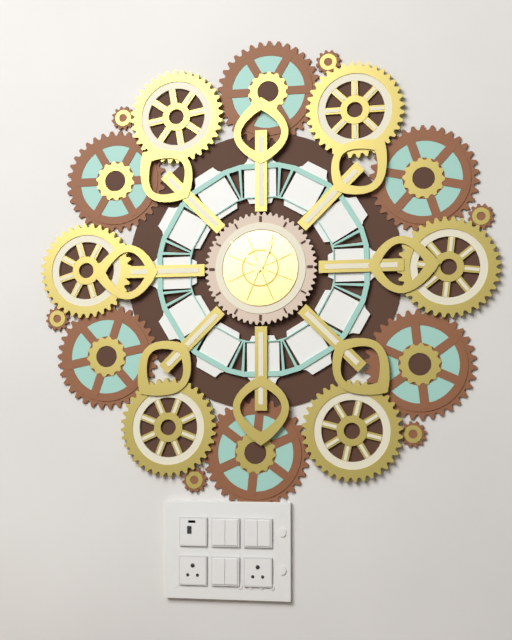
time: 12:52
